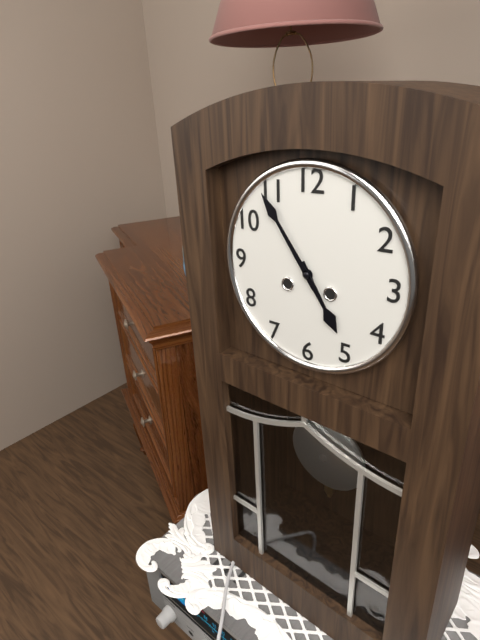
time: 4:54
